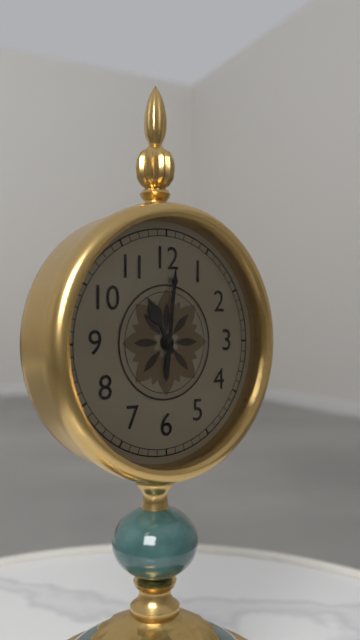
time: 11:01
